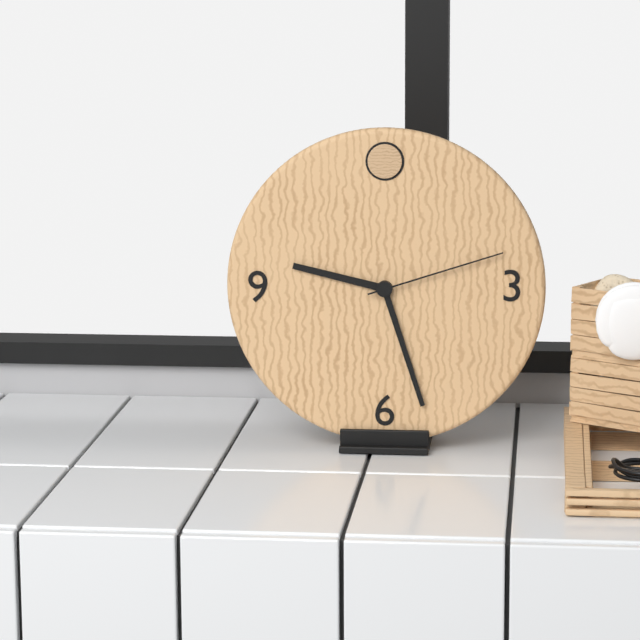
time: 9:27:12
